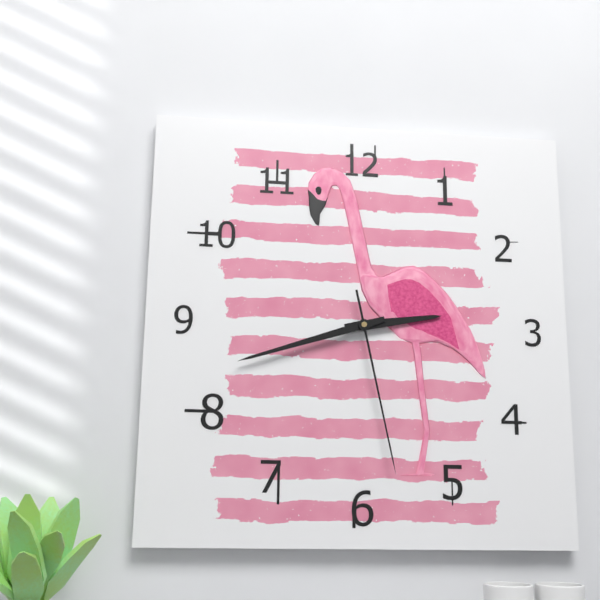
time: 2:42:28
